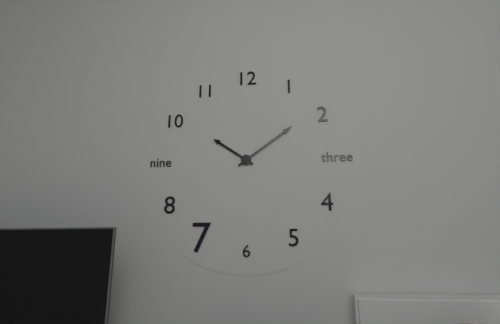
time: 10:09
